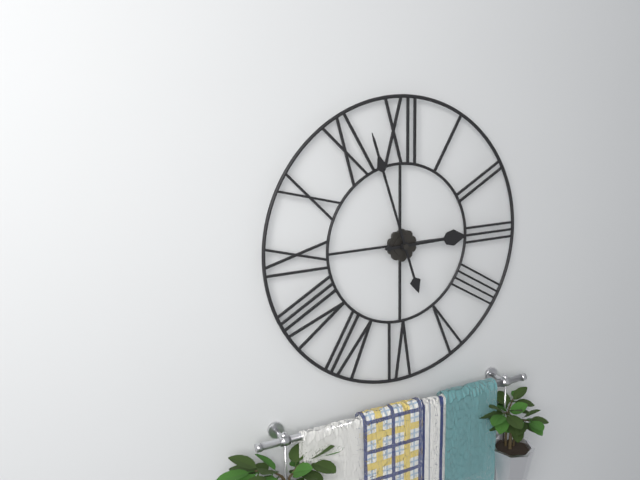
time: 2:57
